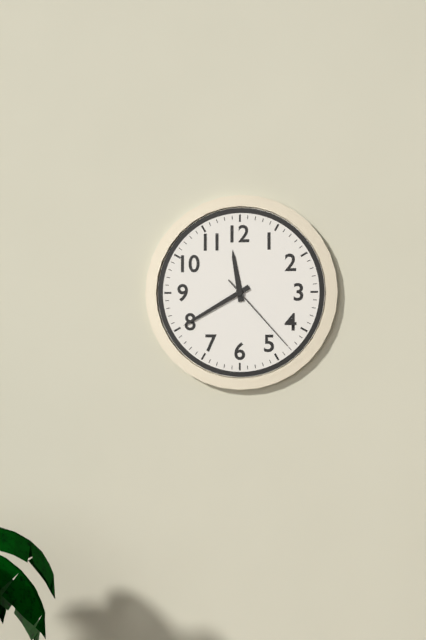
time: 11:40:23
